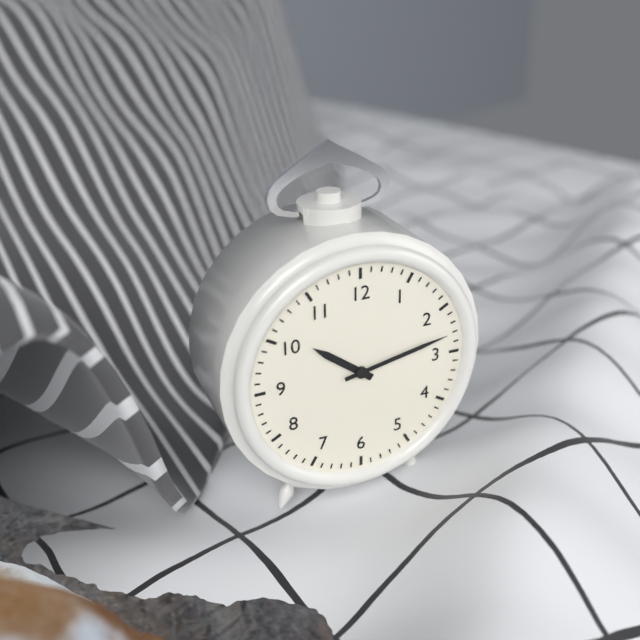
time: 10:13
